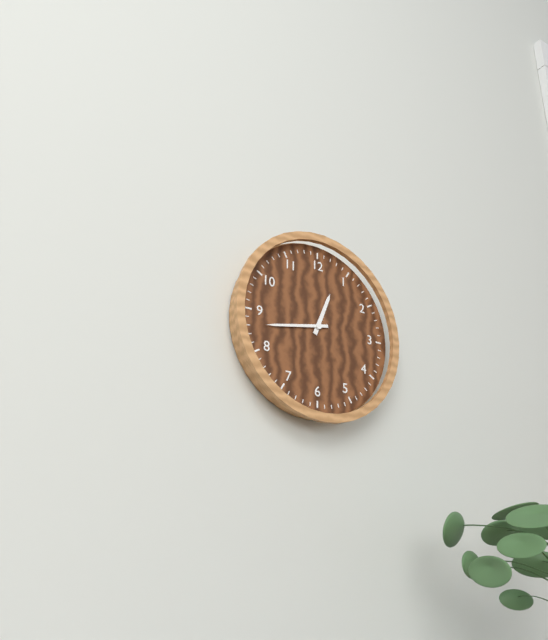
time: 12:43
